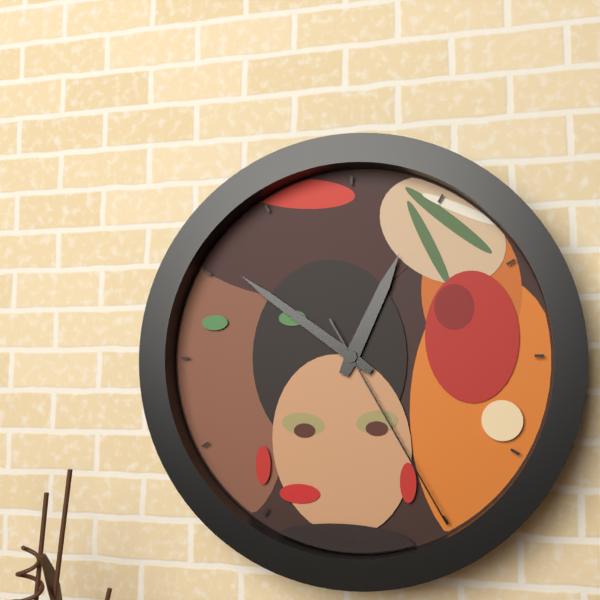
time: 12:51:25
